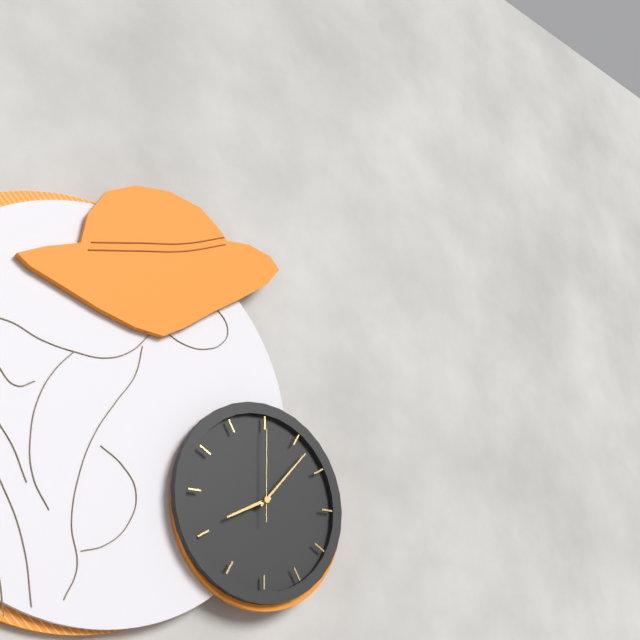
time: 8:07:00
